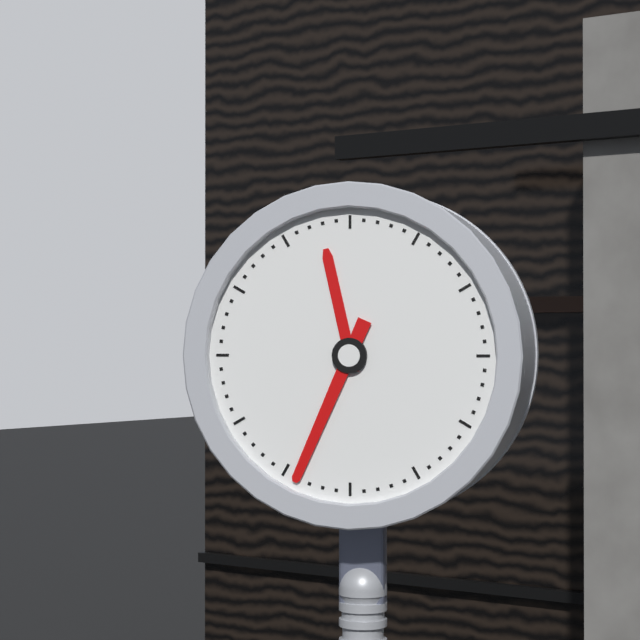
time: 11:34
